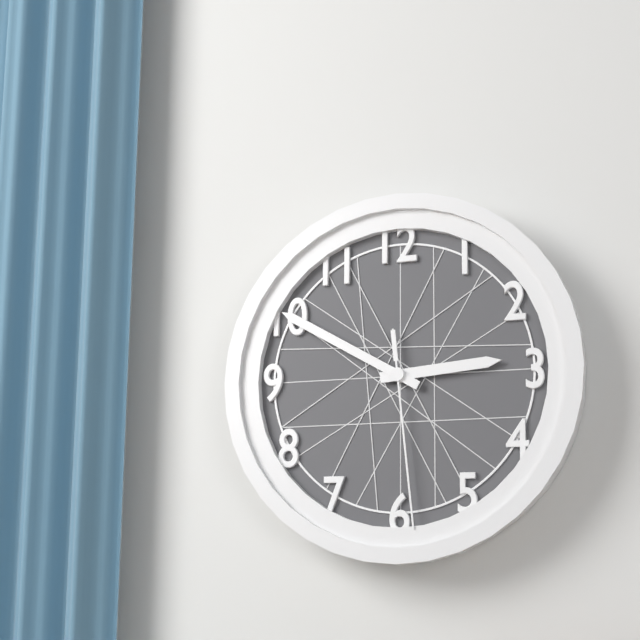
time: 2:50:29
